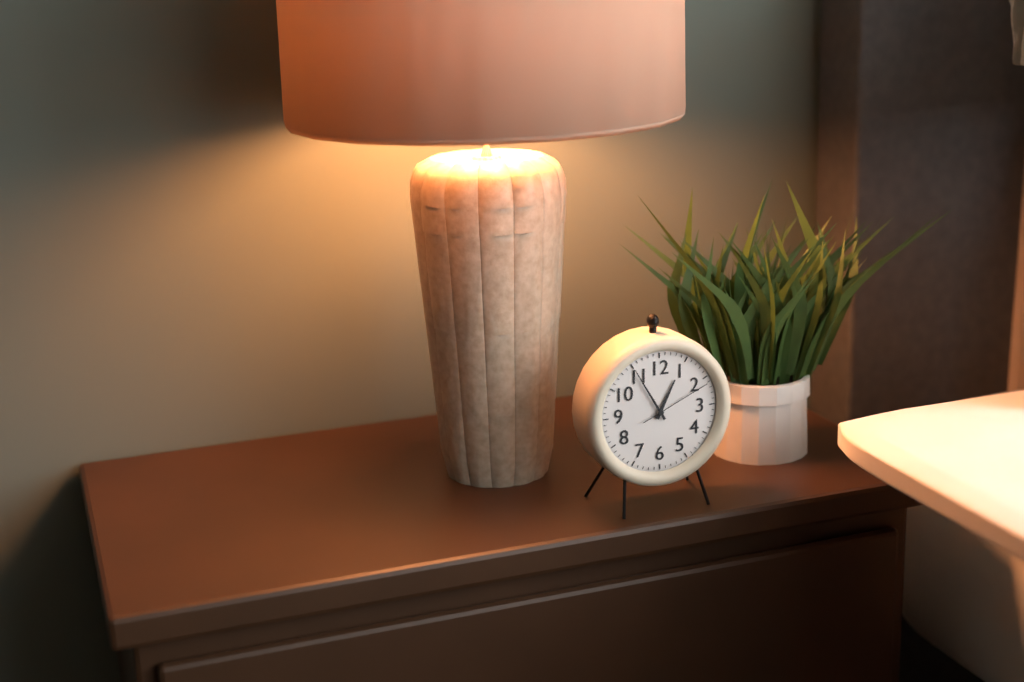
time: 12:55:11
